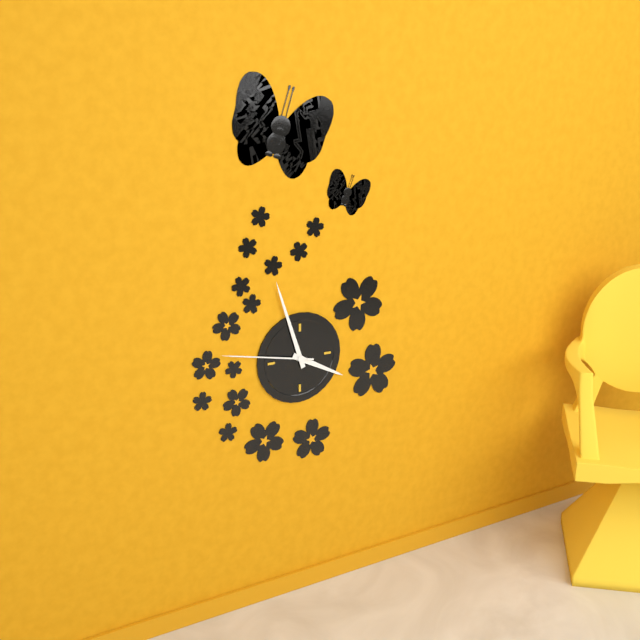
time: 3:57:47
